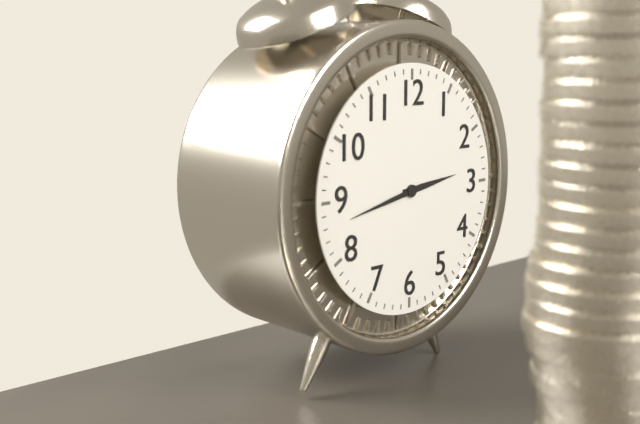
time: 2:43
